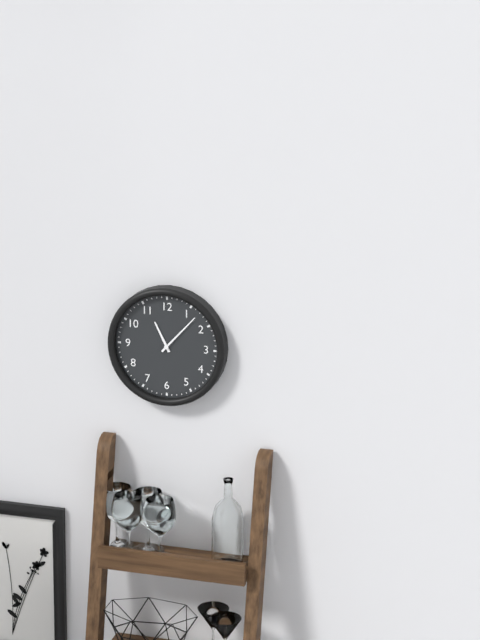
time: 11:07
